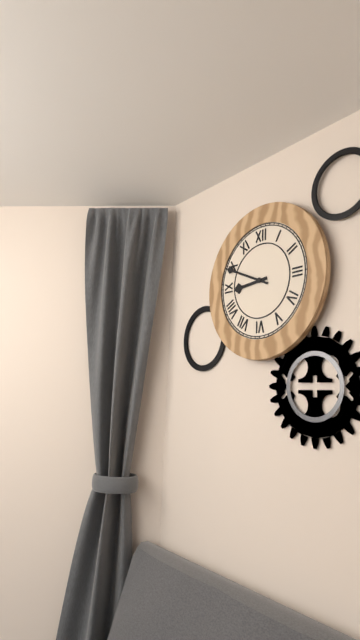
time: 8:49
